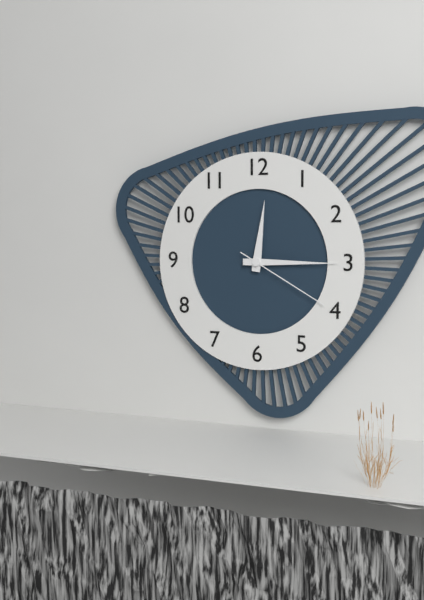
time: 12:15:20
